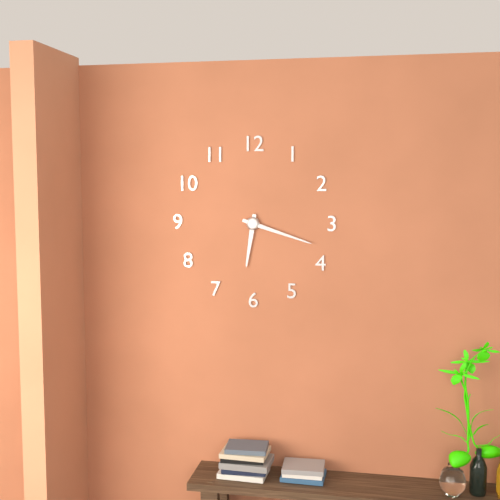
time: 6:18
